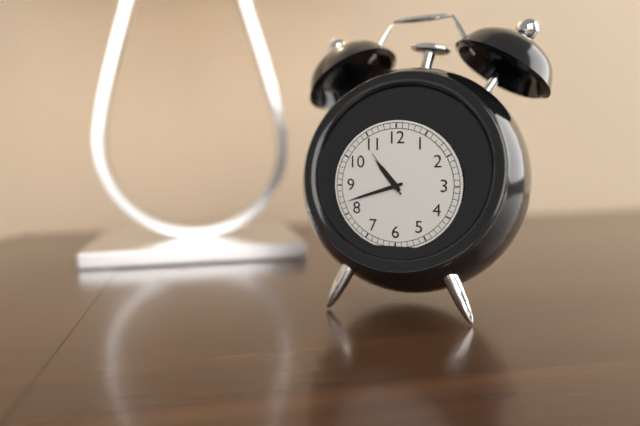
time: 10:42
